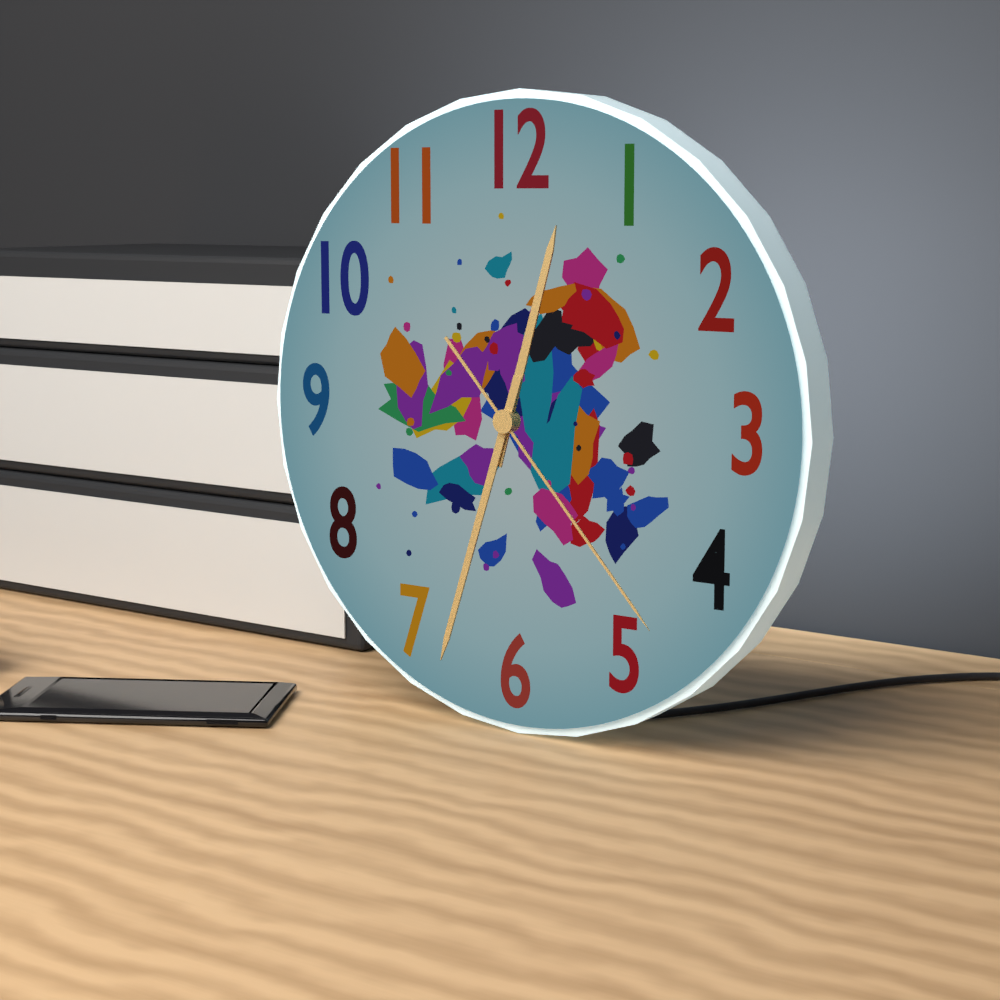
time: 12:33:23
